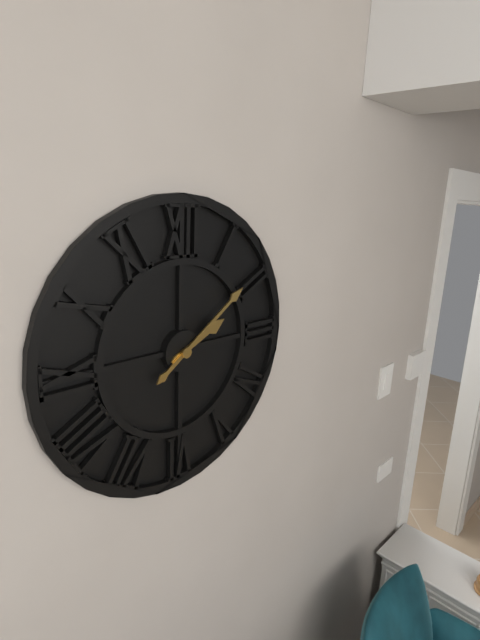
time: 2:09
